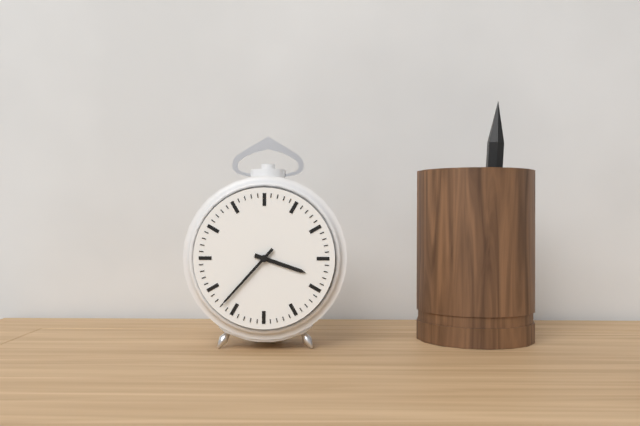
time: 3:37
